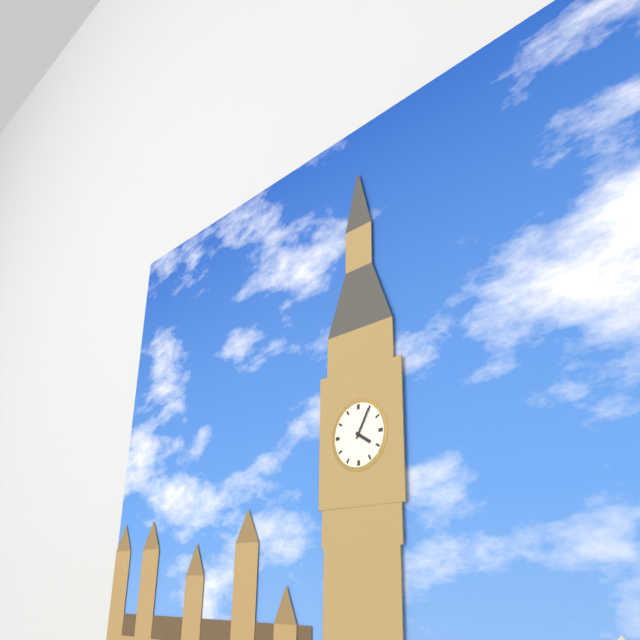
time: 4:05
